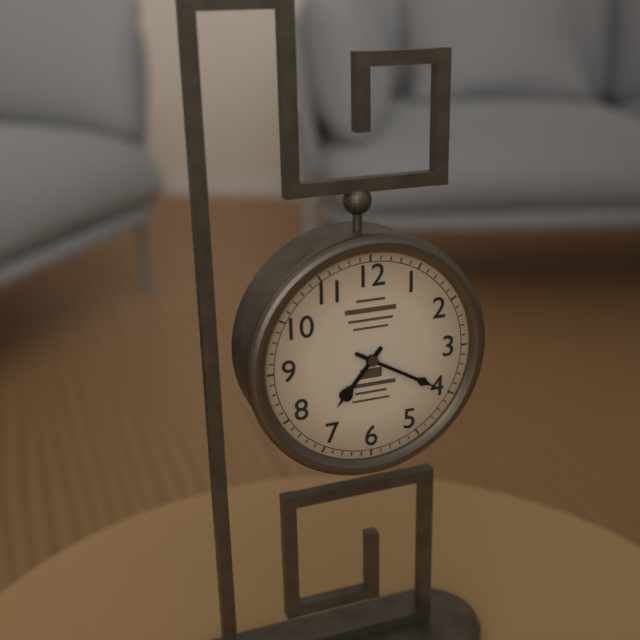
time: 7:20
